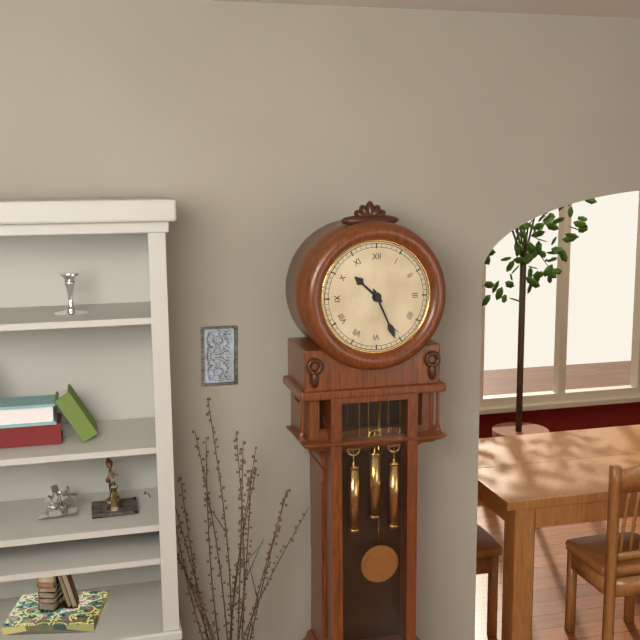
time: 10:26
